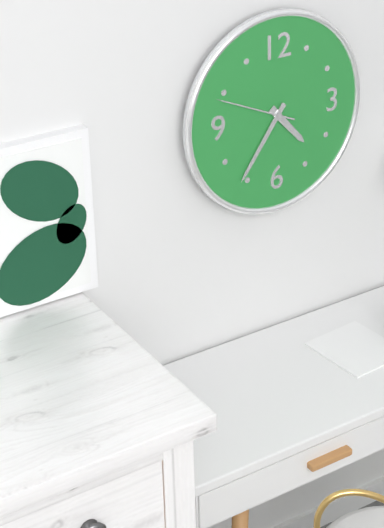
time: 4:36:49
